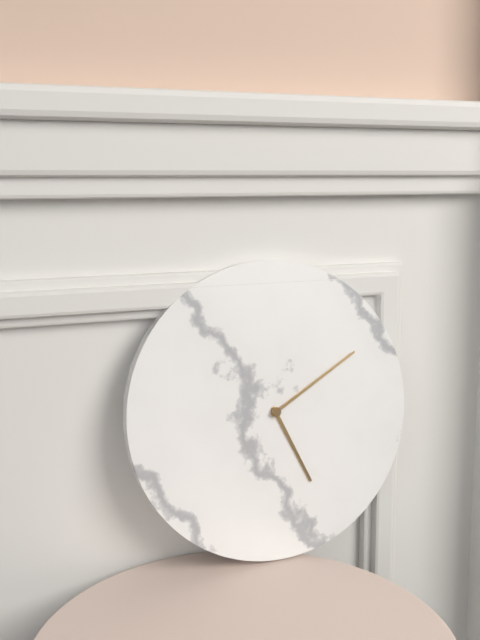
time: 5:10
